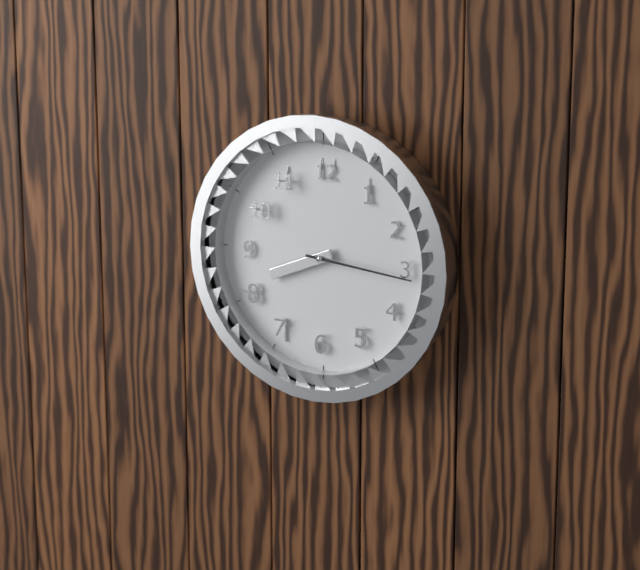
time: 8:16
